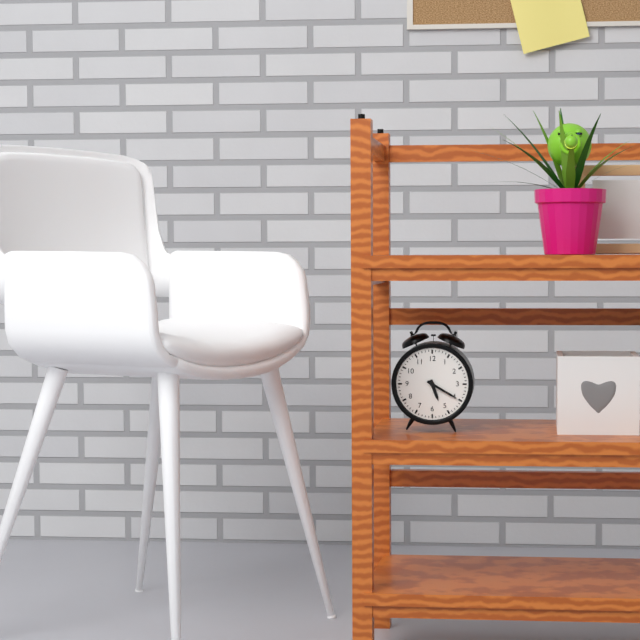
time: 5:20
